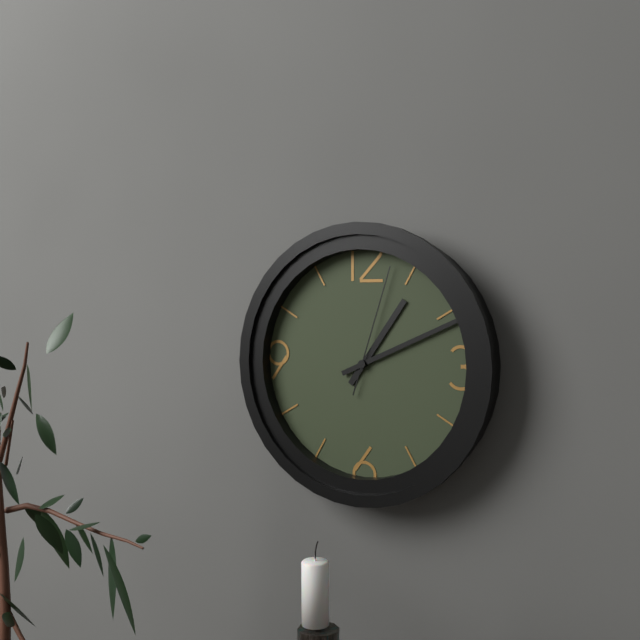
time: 1:11:03
